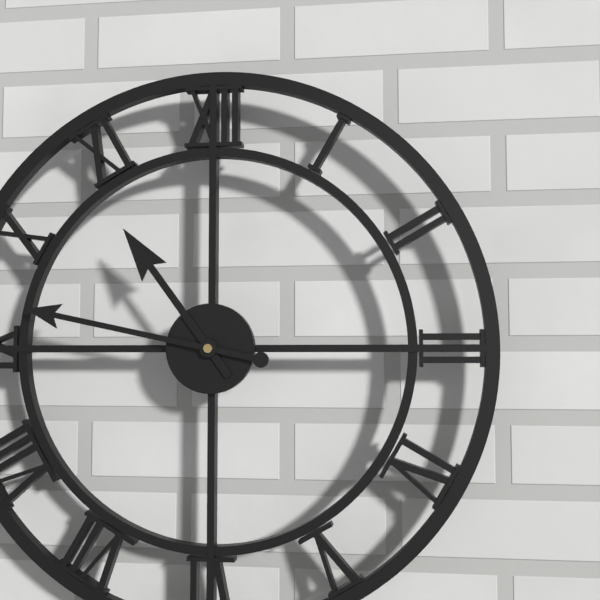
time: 10:47
